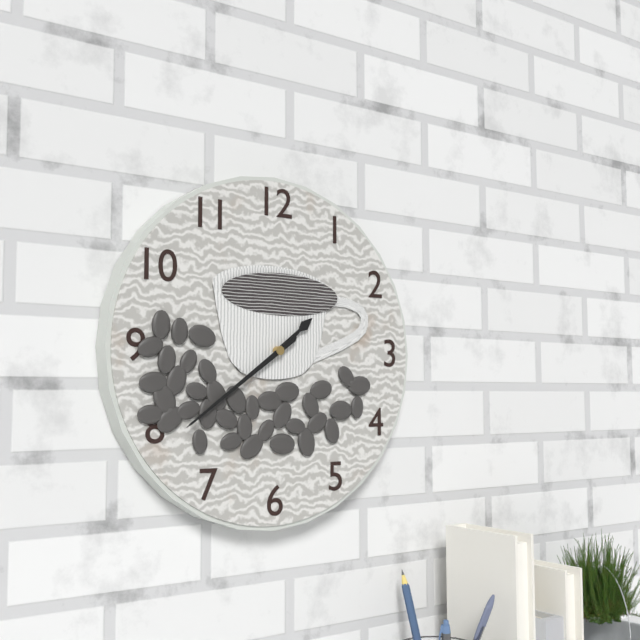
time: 1:39
